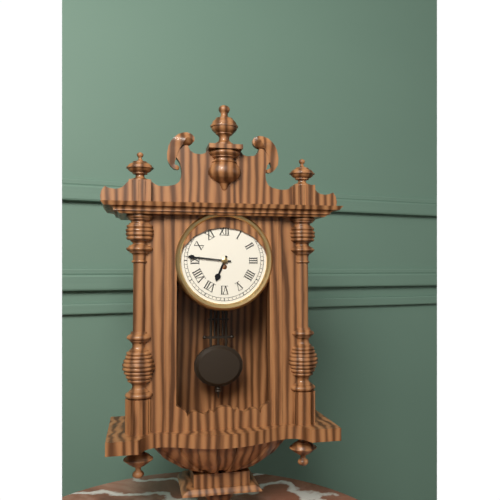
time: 6:46
